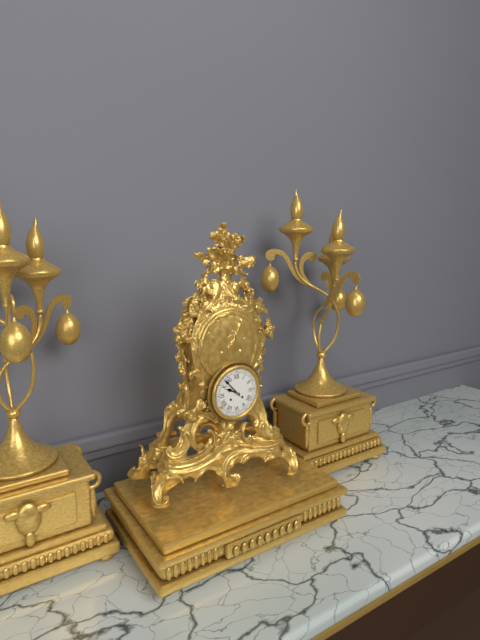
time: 9:53
